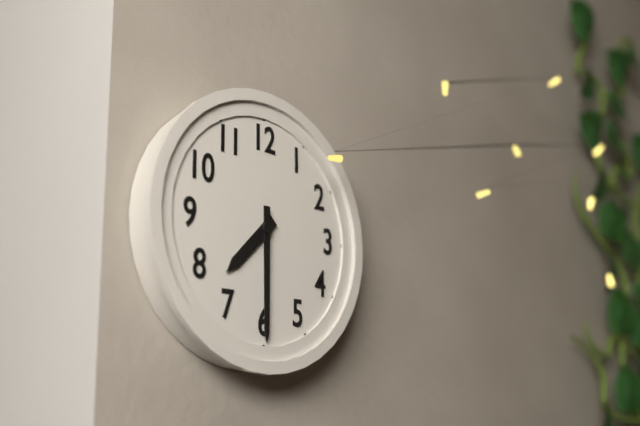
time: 7:30
